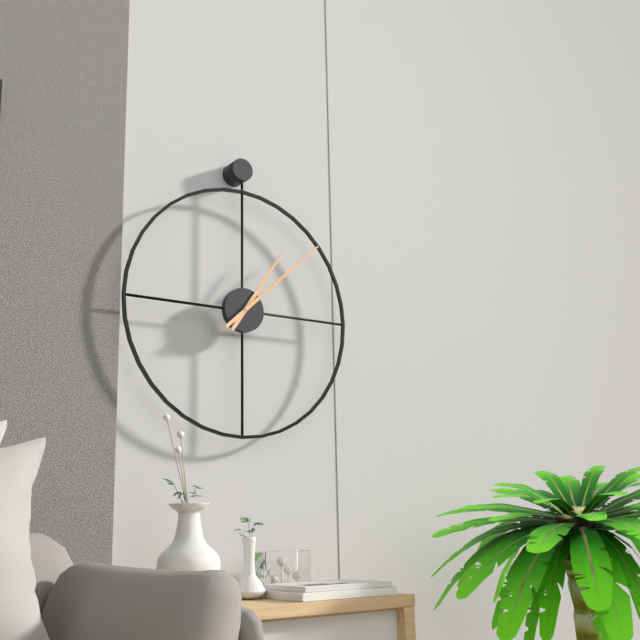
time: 1:08
